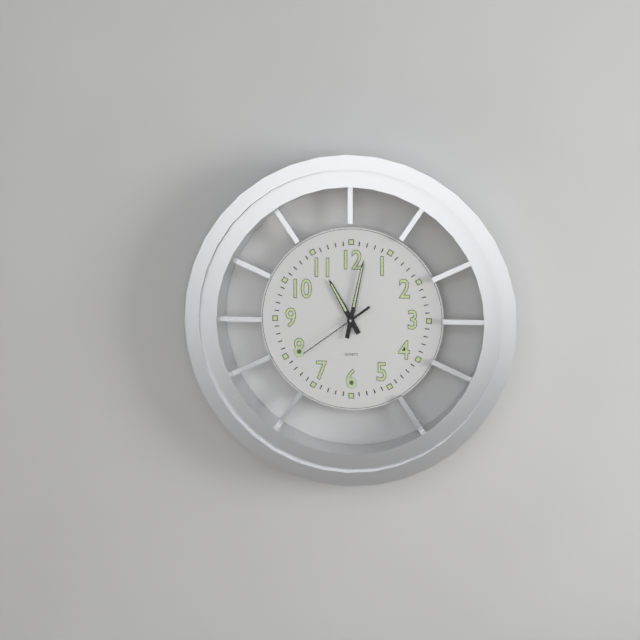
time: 11:02:39
